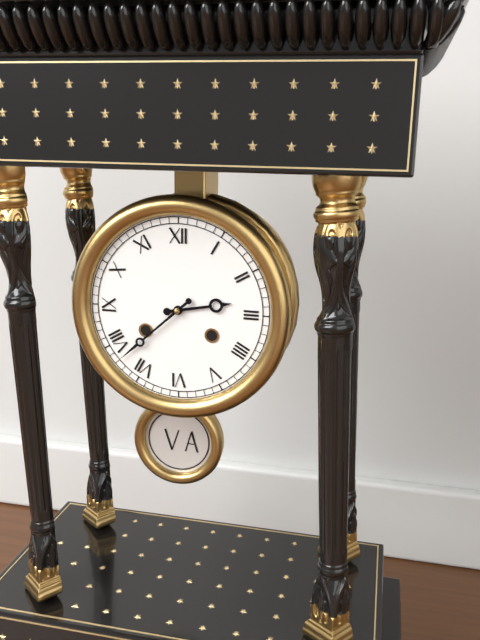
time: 2:38
